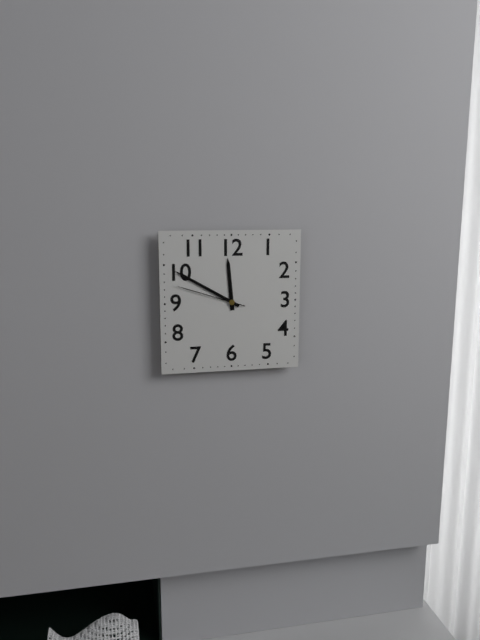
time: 11:50:48
